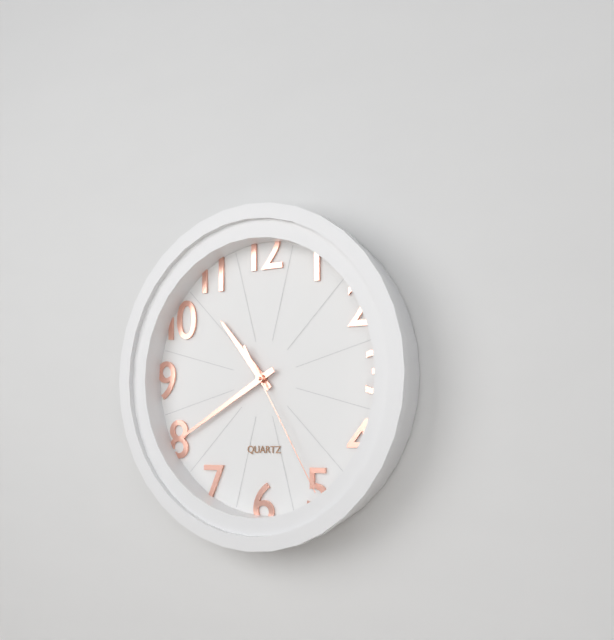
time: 10:40:25
